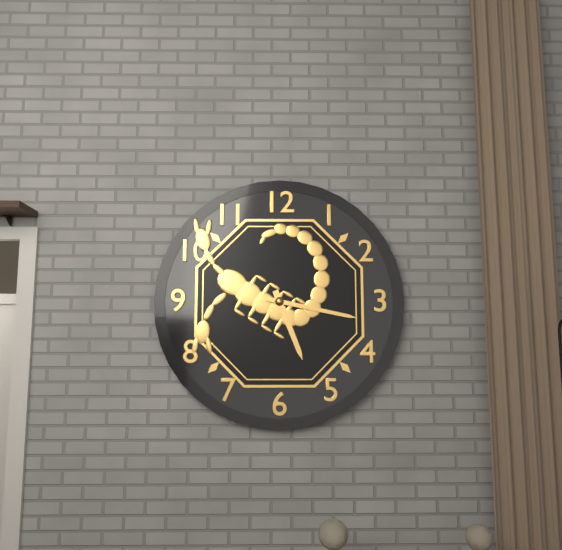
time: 5:17
